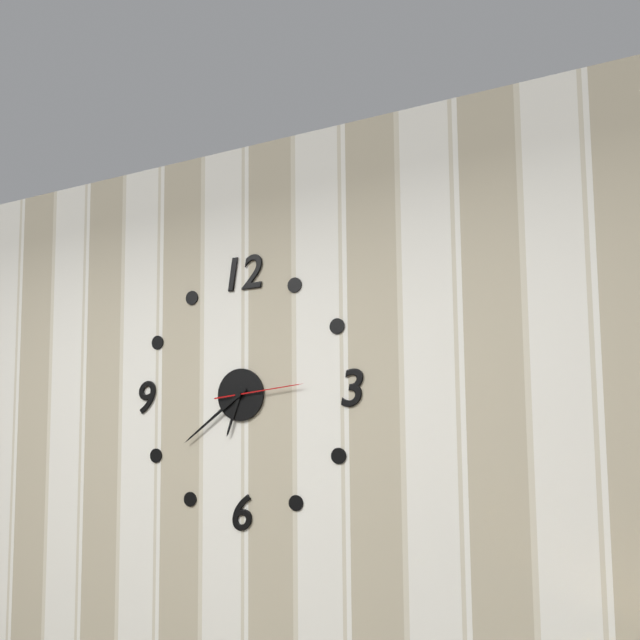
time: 6:39:14
